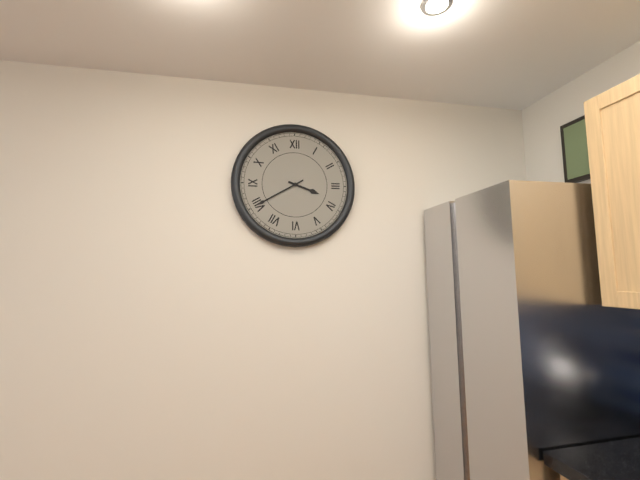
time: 3:40
